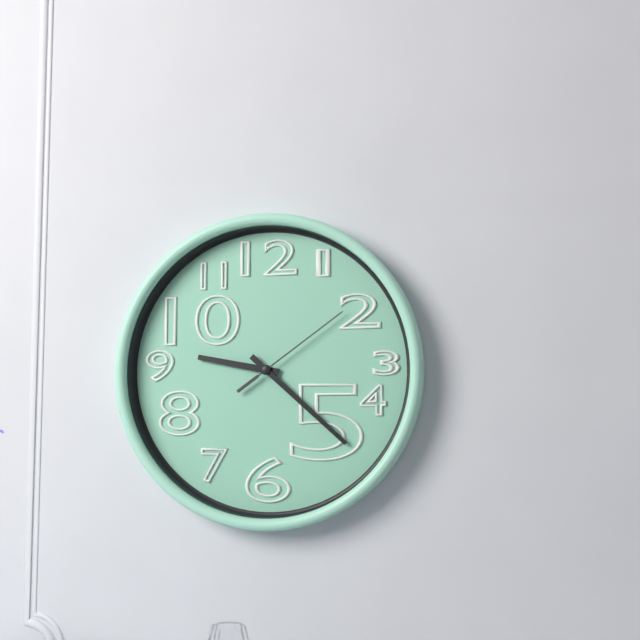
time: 9:22:09
